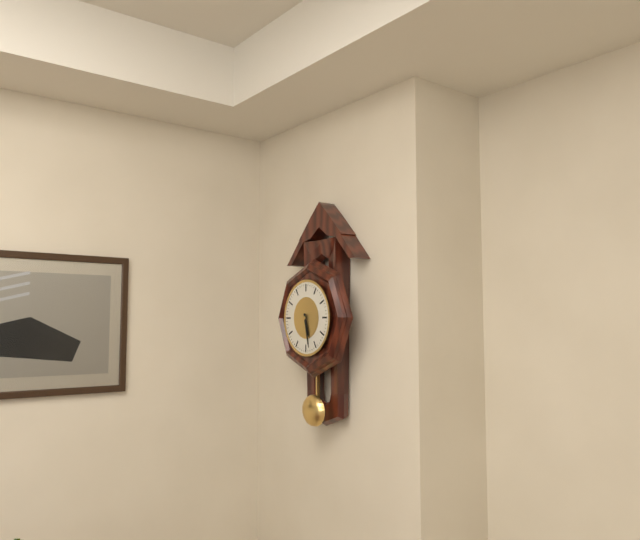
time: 5:28
